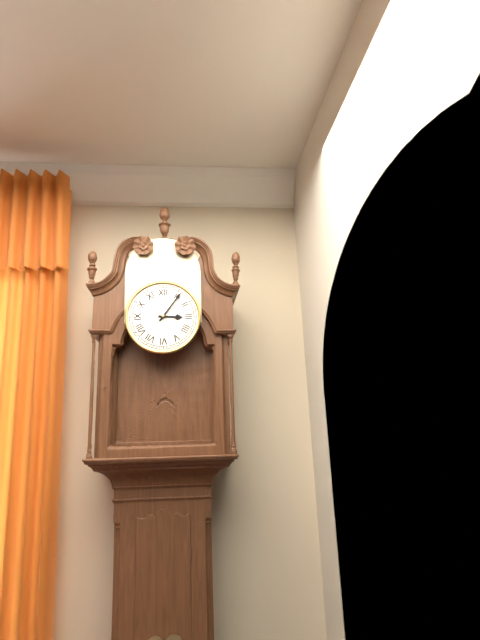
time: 3:06
